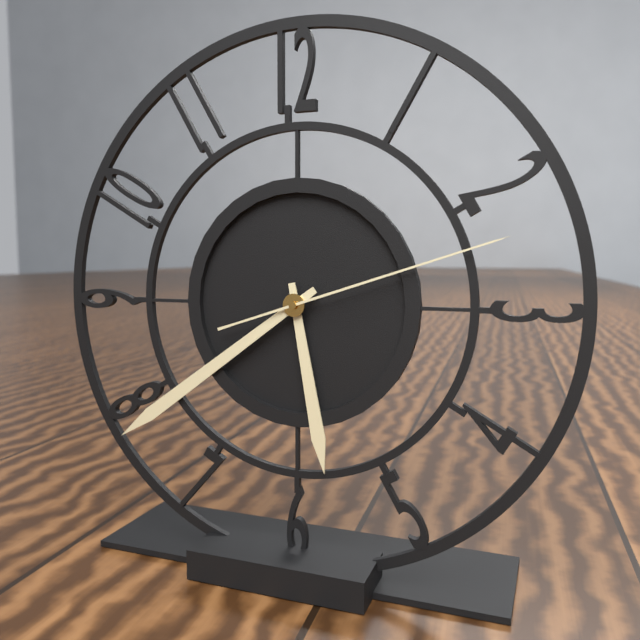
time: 5:39:12
